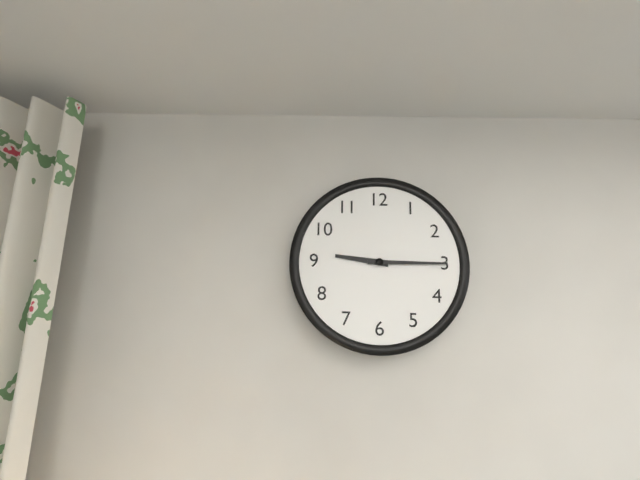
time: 9:15
